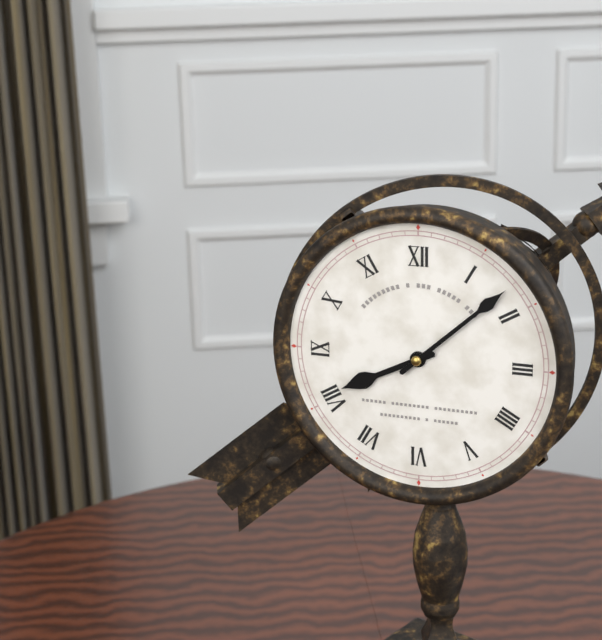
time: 8:08
